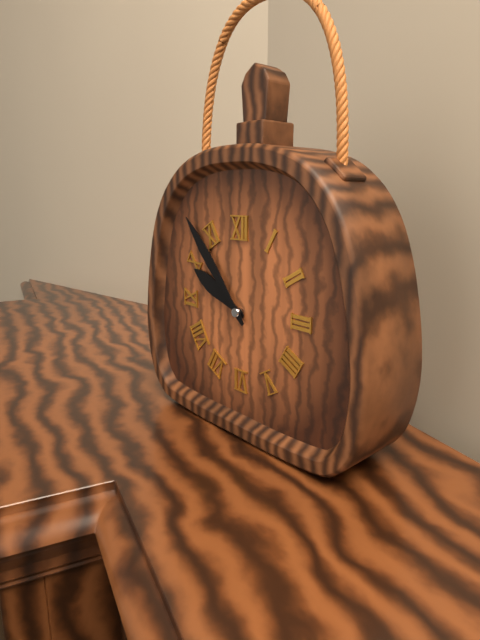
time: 9:53
